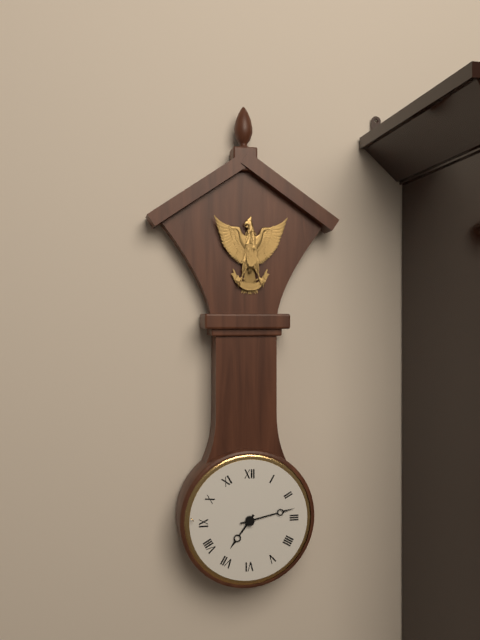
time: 7:13
